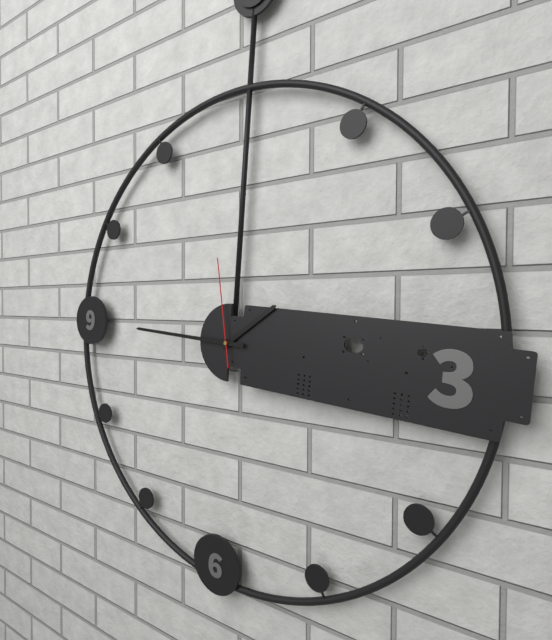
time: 1:45:58
